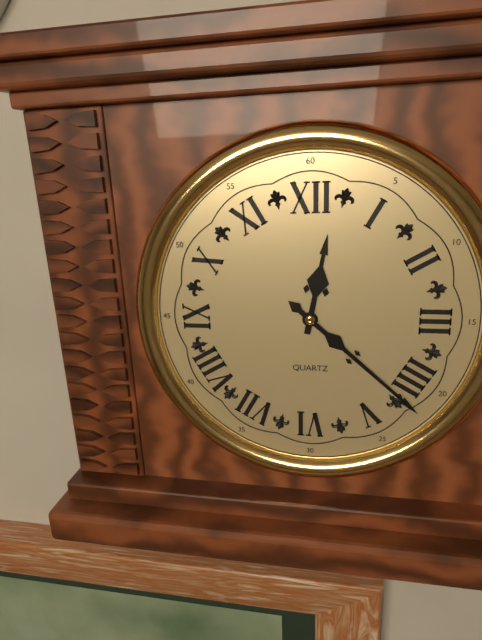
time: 12:22
